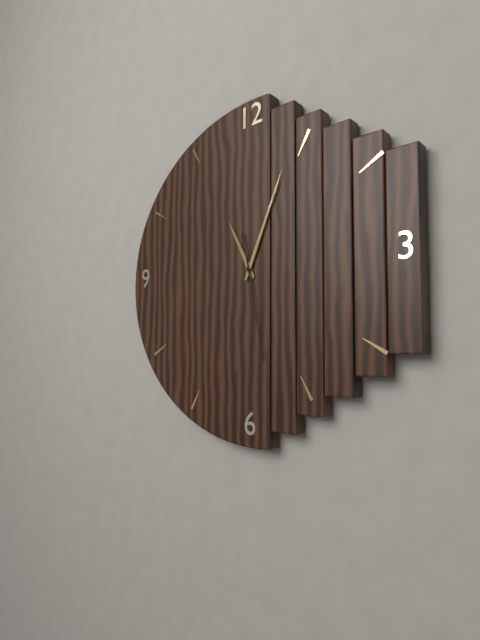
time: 11:04:28
